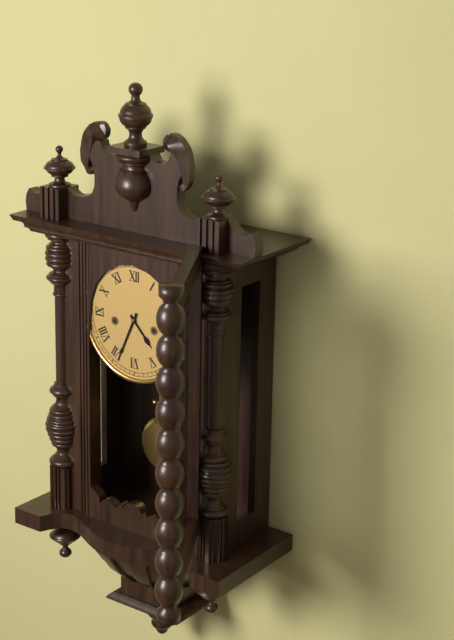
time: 4:34
